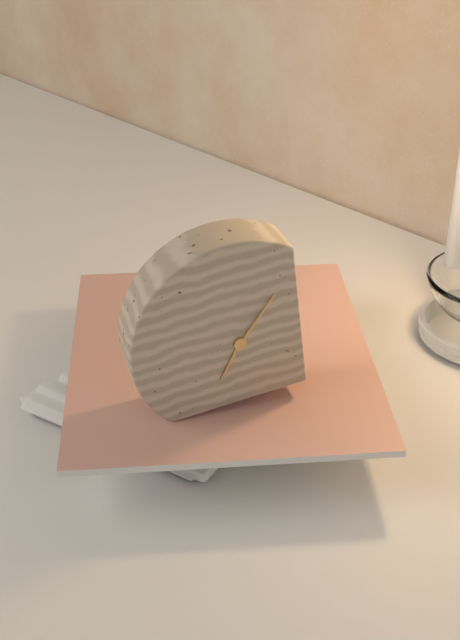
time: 7:07
